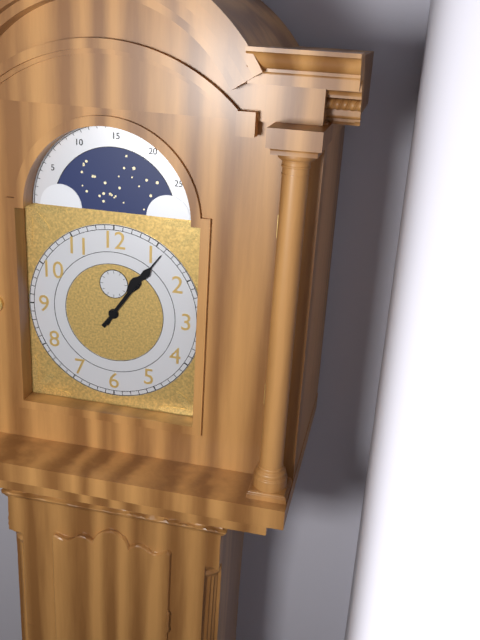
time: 1:06
